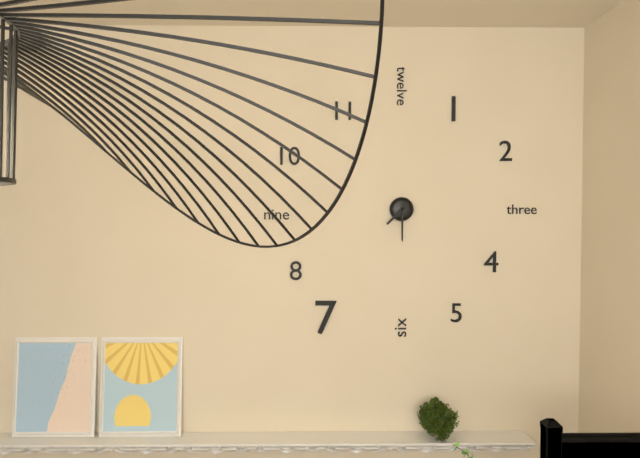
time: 7:30
